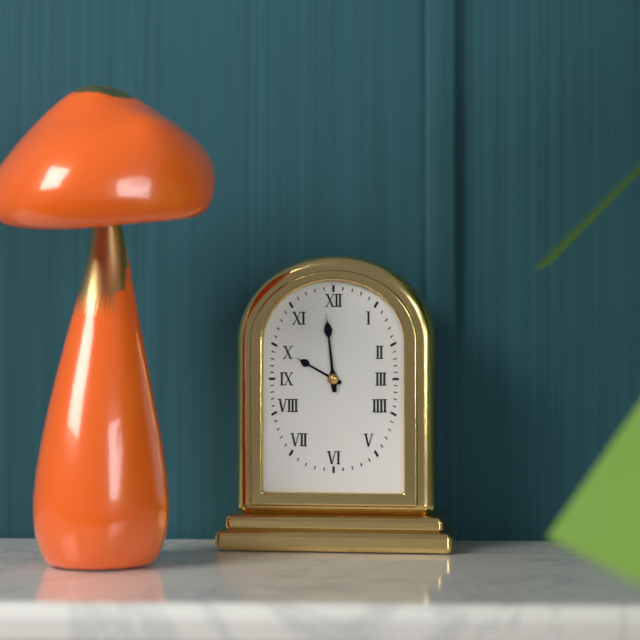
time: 9:59
